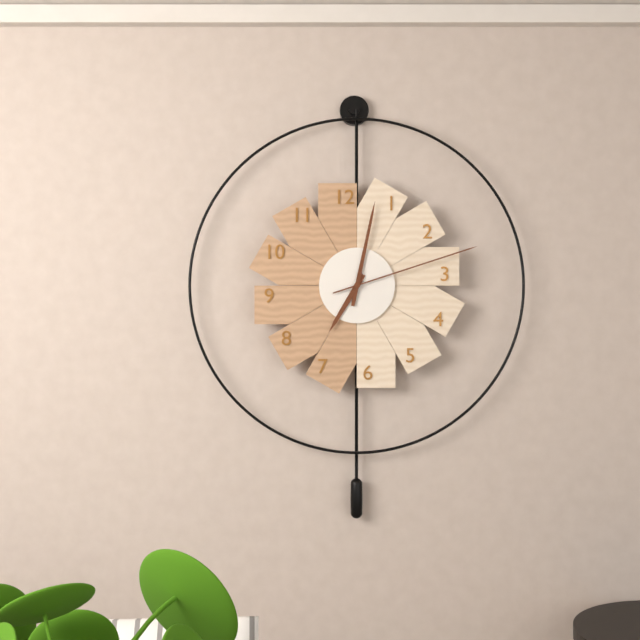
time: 7:02:12
